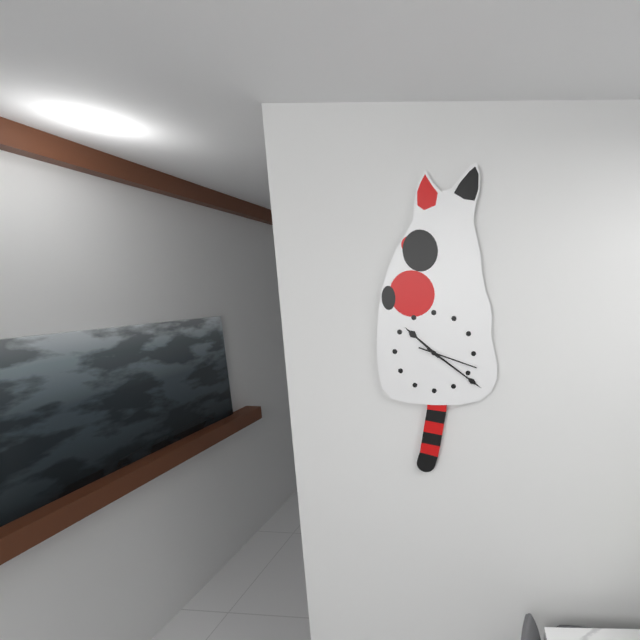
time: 10:21:18
